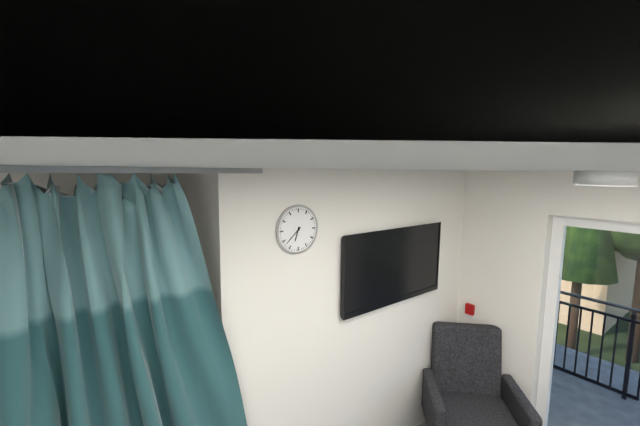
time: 6:38
